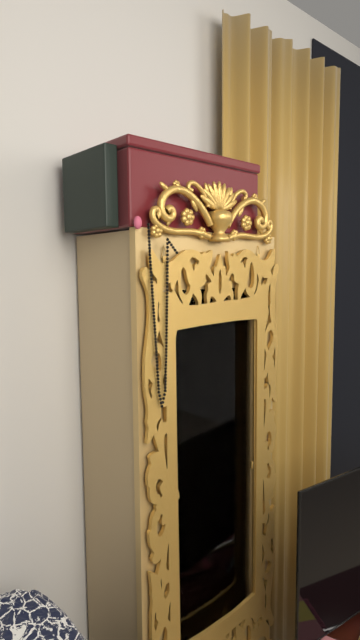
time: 12:08
